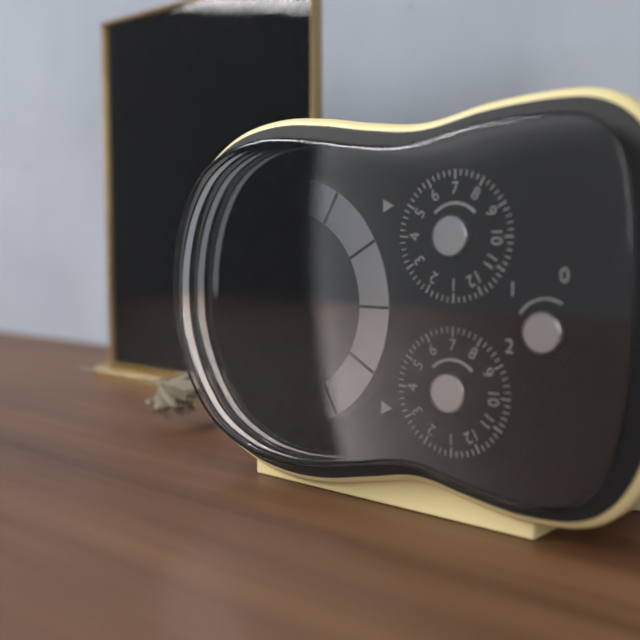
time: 8:50:47
